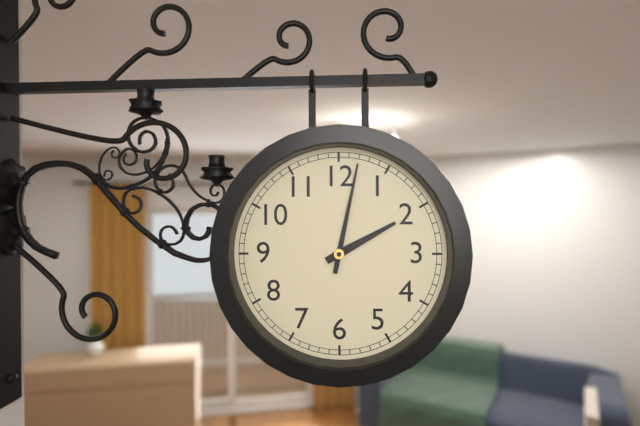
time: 2:02
